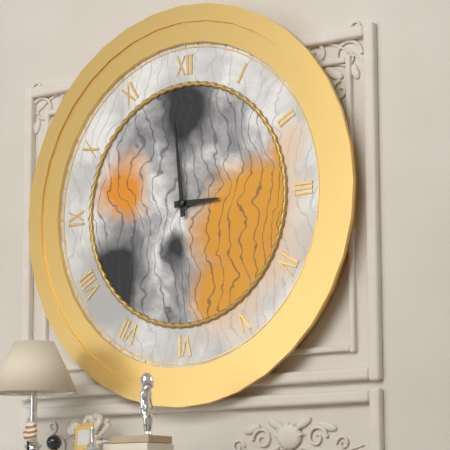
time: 2:59
